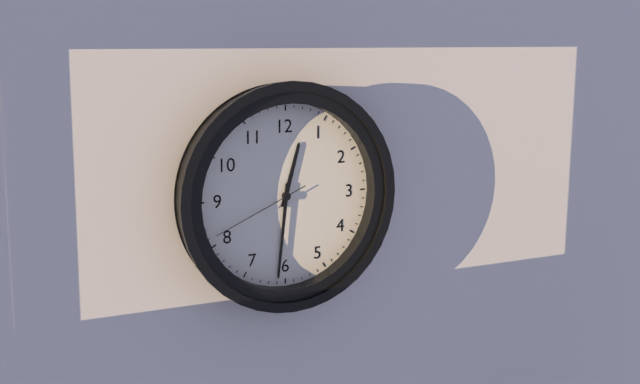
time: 12:31:41
